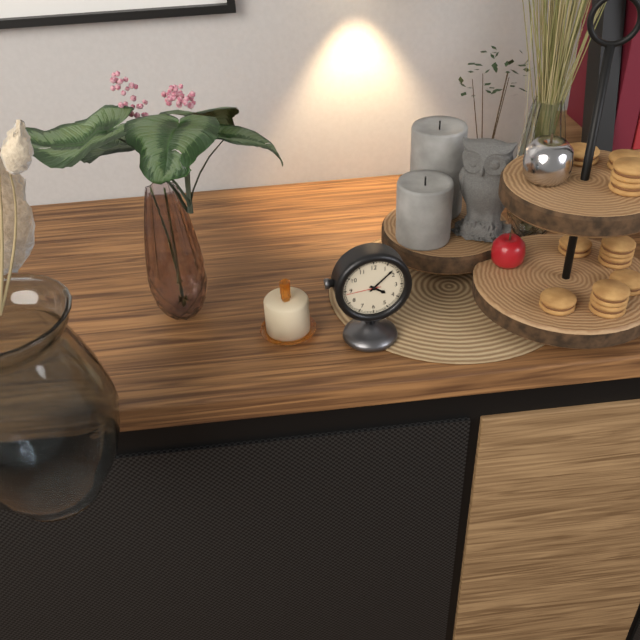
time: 4:08
